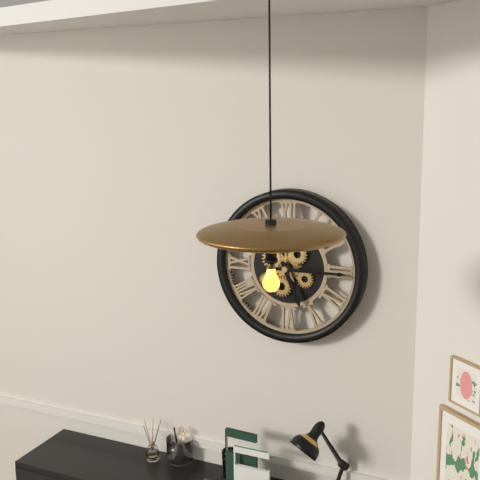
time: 5:15
